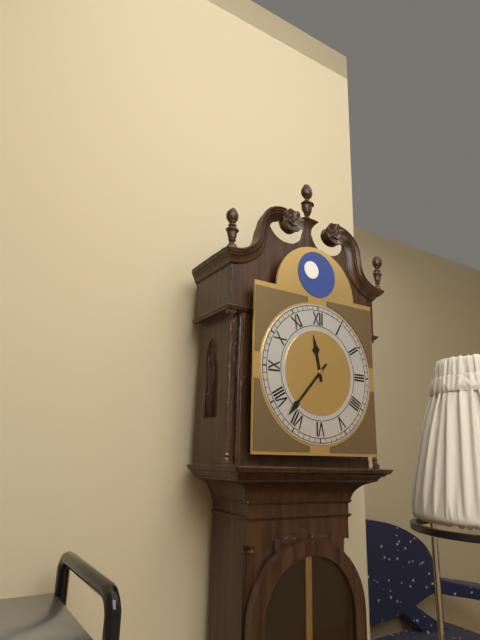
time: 11:37
